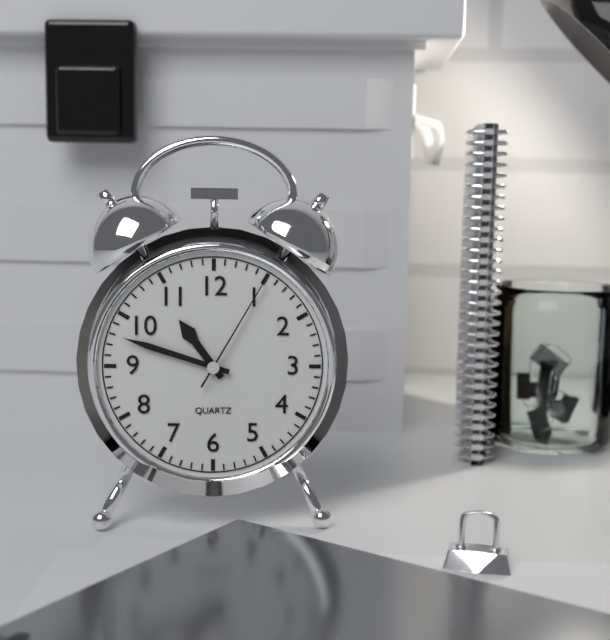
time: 10:48:05
